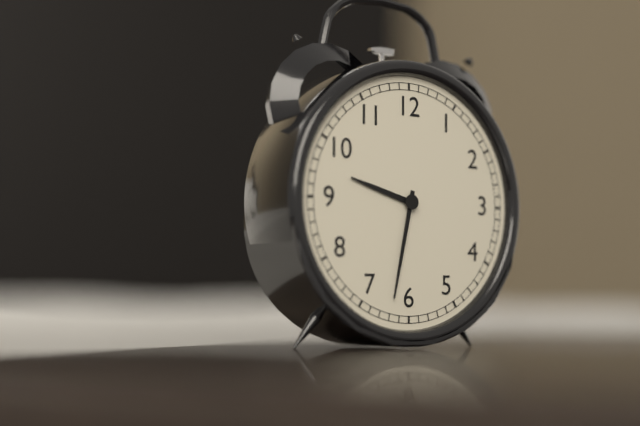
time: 9:32
